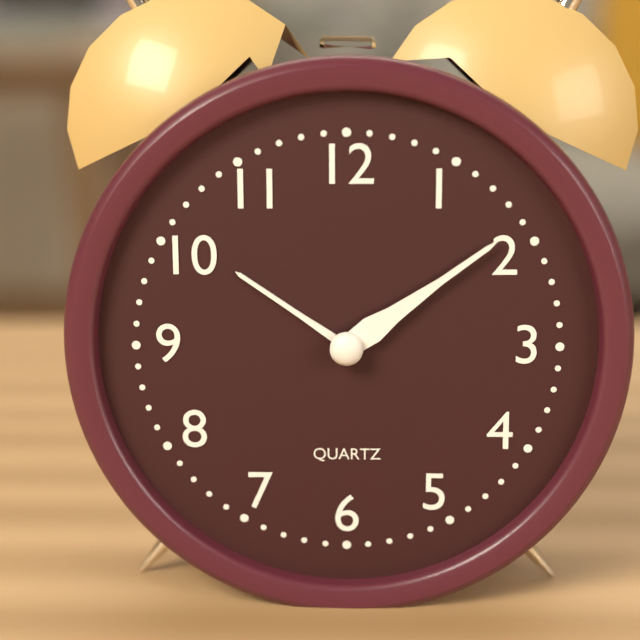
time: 10:09
